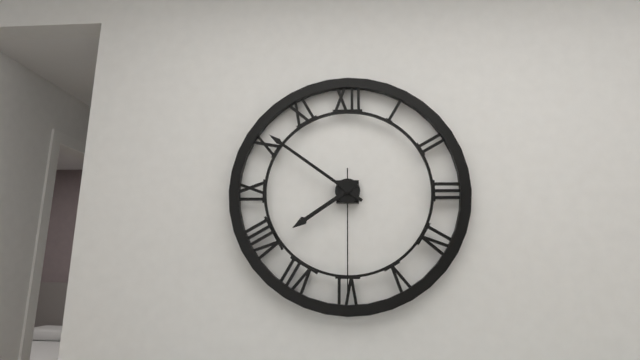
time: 7:51:30
